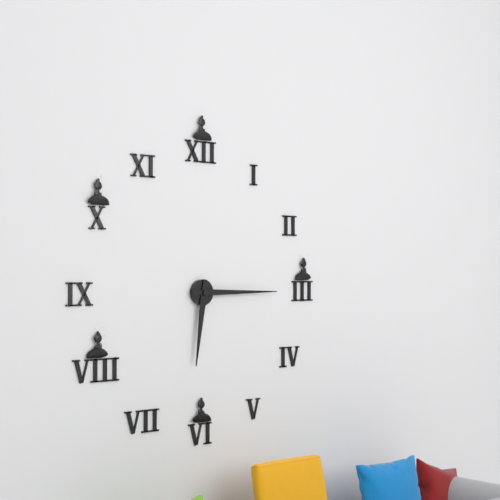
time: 6:15
